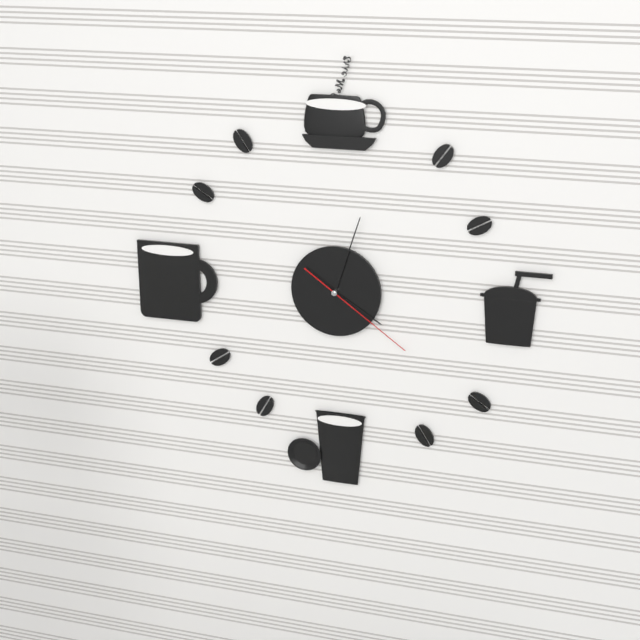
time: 4:03:21
